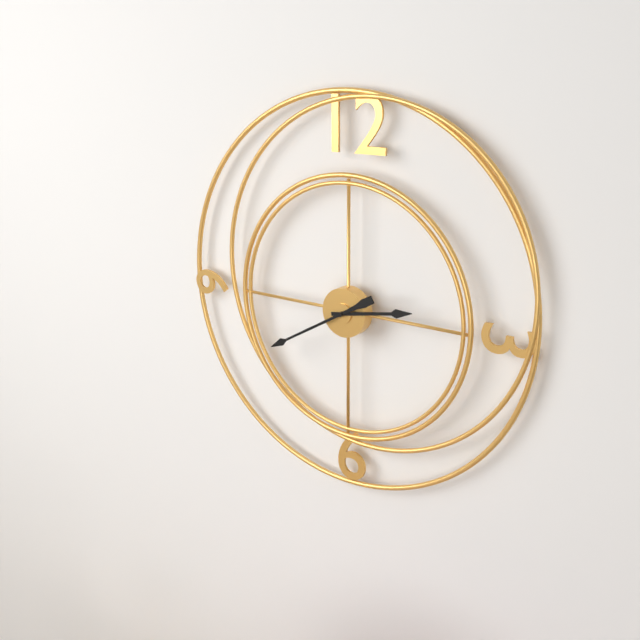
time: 2:40
